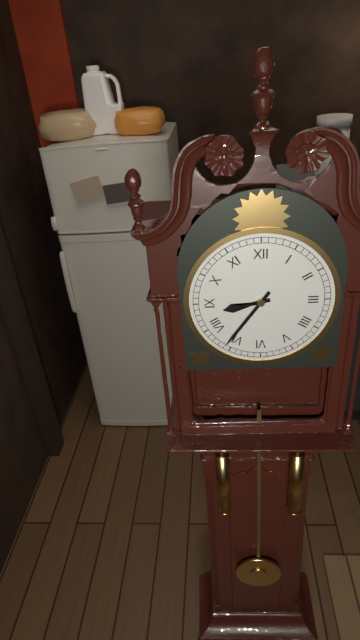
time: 8:36
